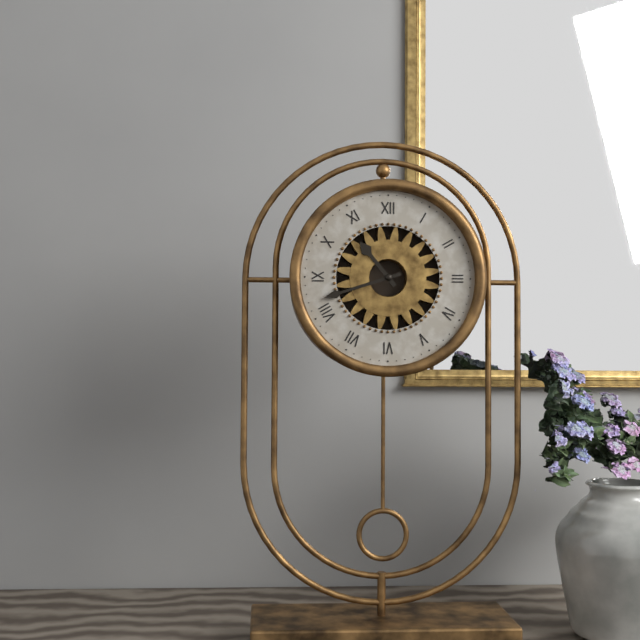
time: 10:42
